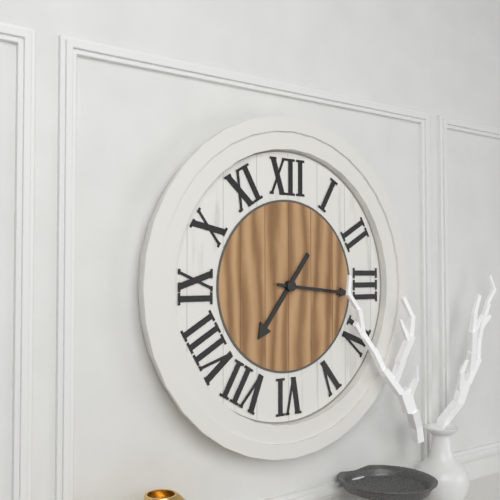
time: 7:16
